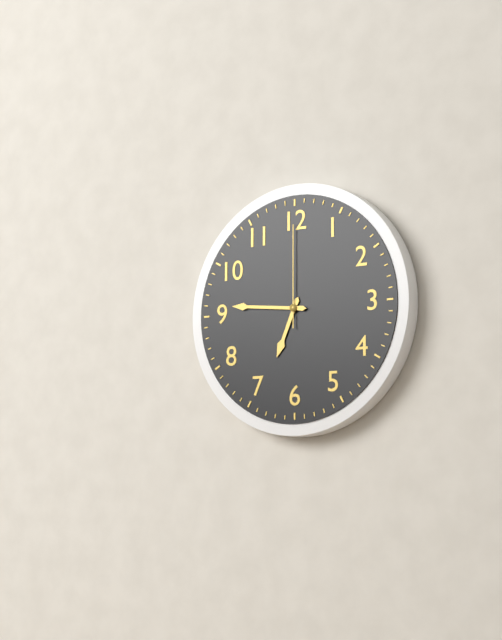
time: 6:46:00
